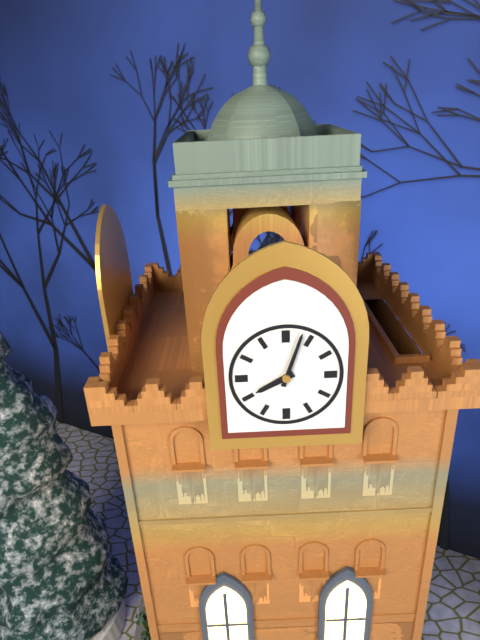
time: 8:03
